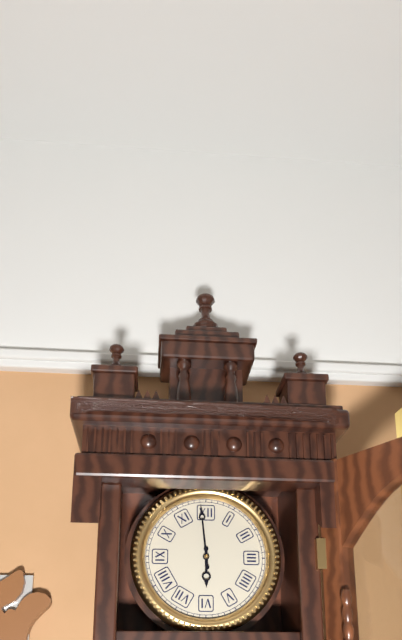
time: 5:59
